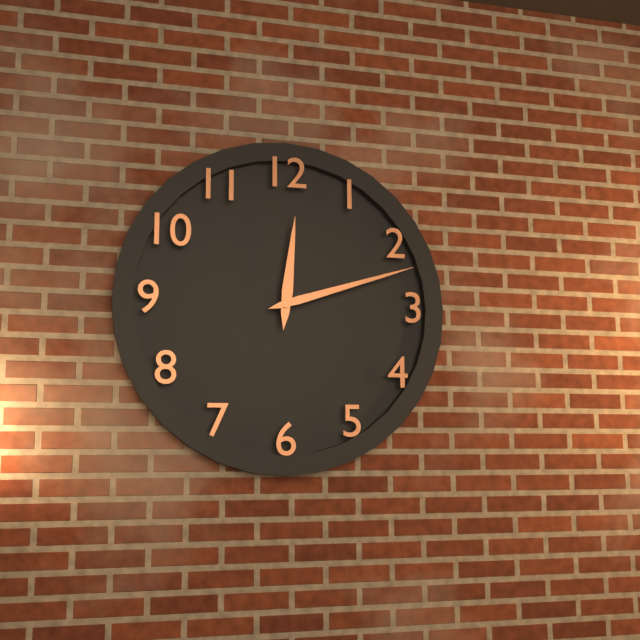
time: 12:12
